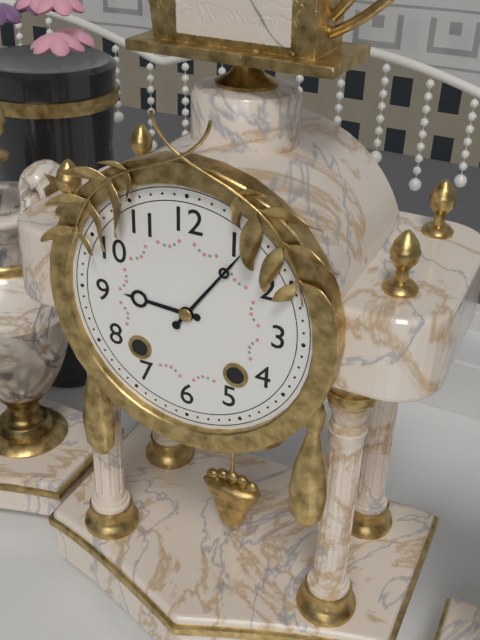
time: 9:06
